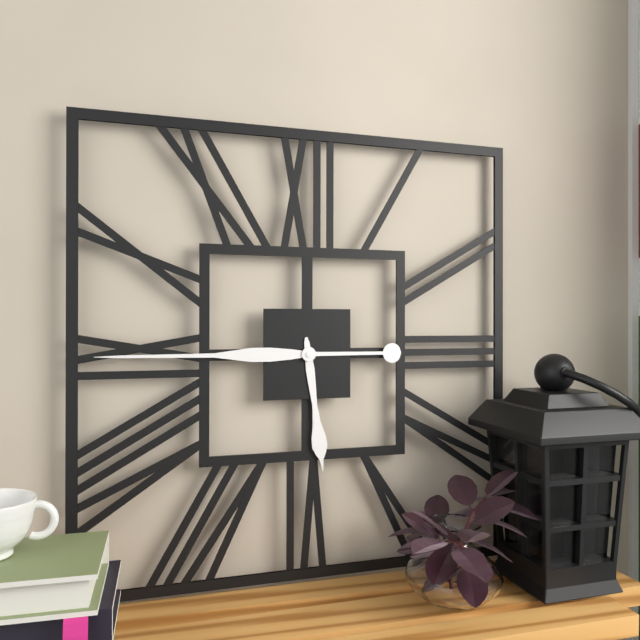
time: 5:45
